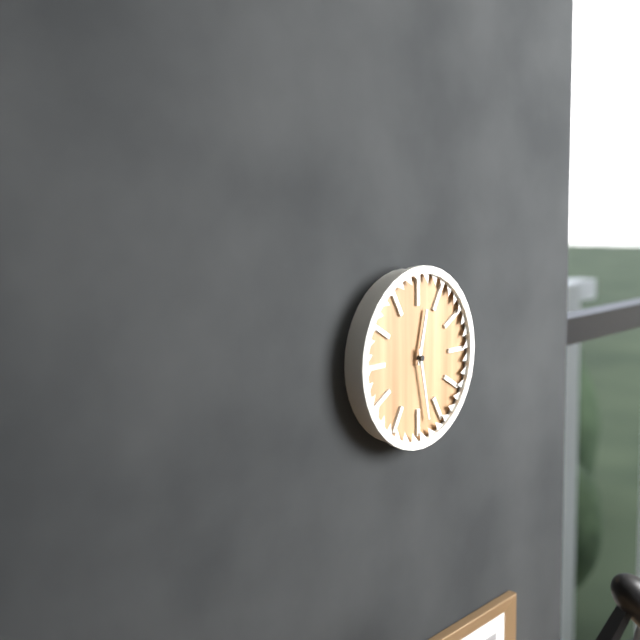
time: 12:28
